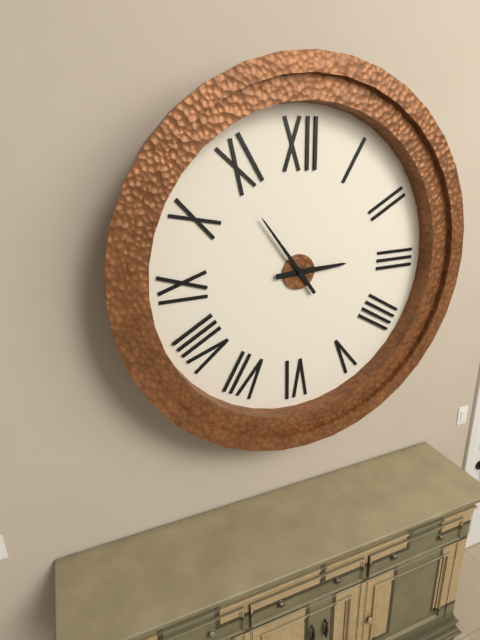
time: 2:54
